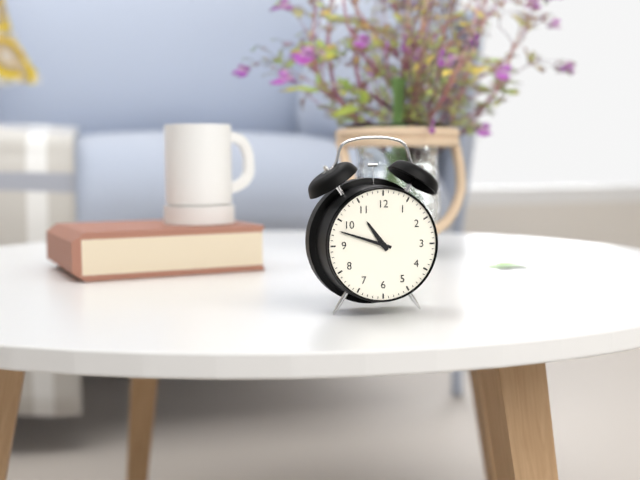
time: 10:48
